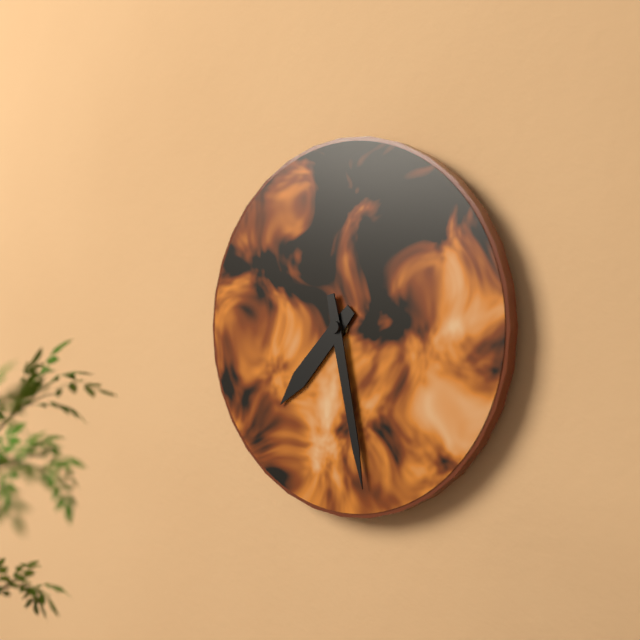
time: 7:28
